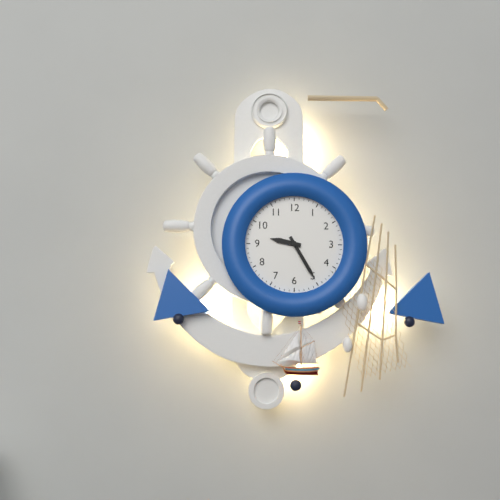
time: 9:25
